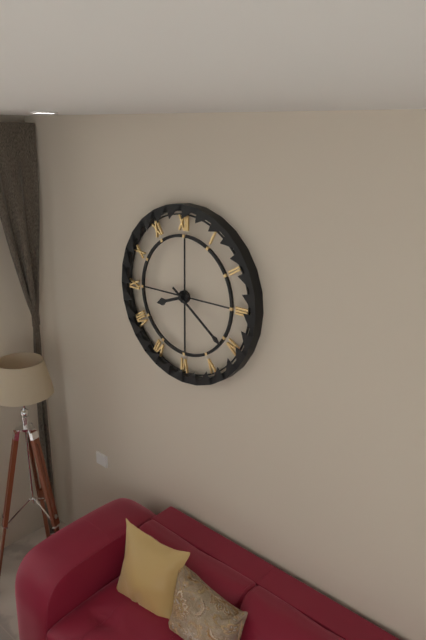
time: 8:21
